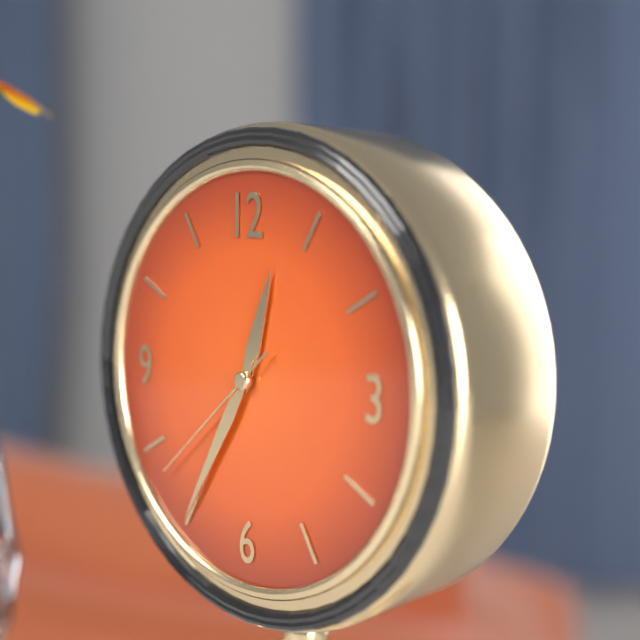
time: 12:35:38
